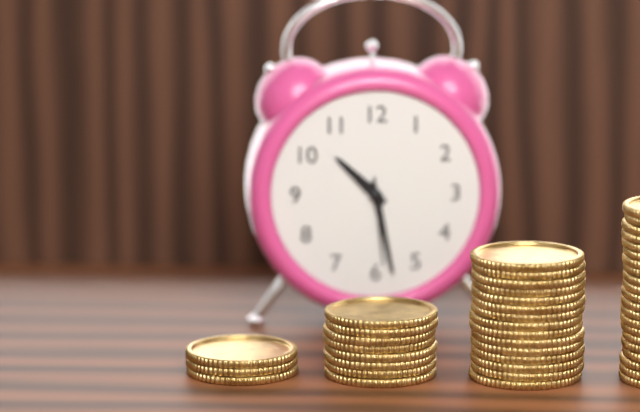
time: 10:28:29
